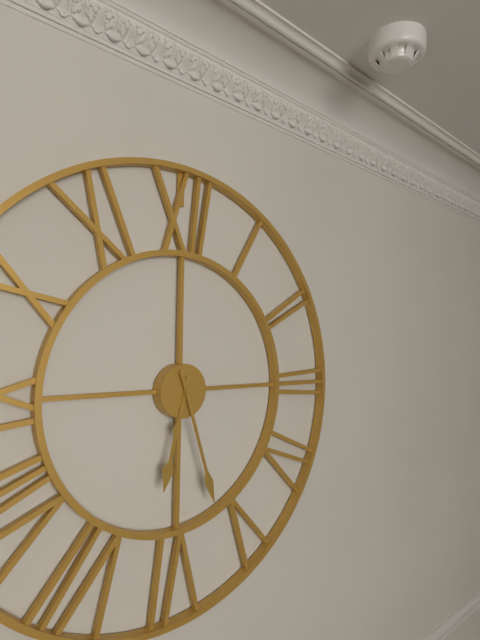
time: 6:27
